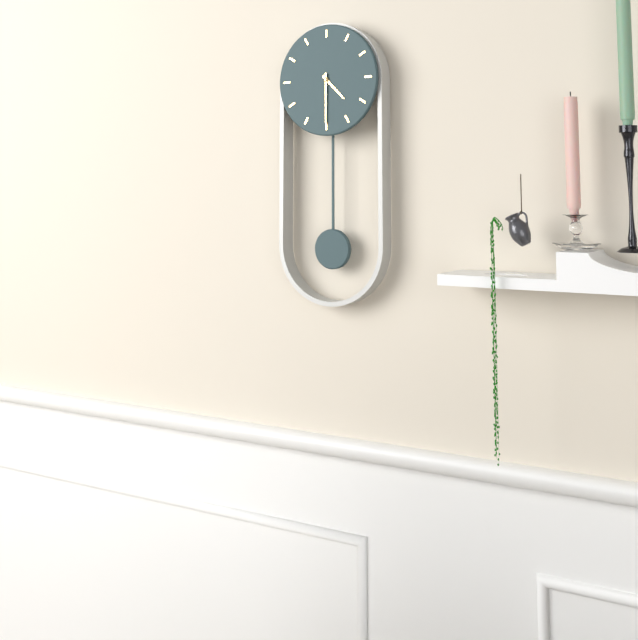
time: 4:30
